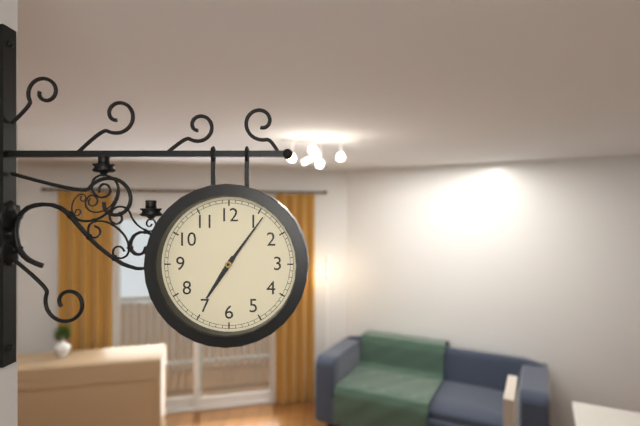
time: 7:06
